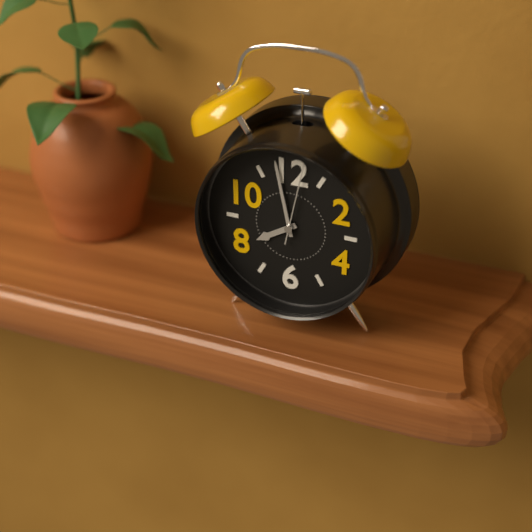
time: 7:58:02
